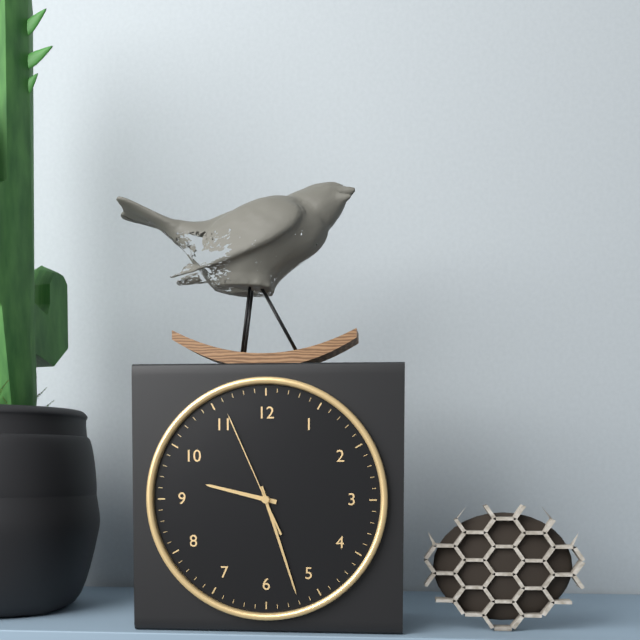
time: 9:27:56
